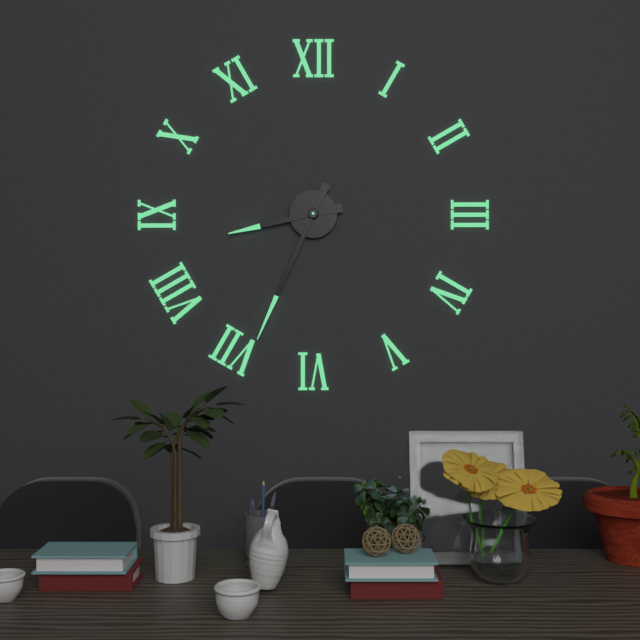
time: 8:34
